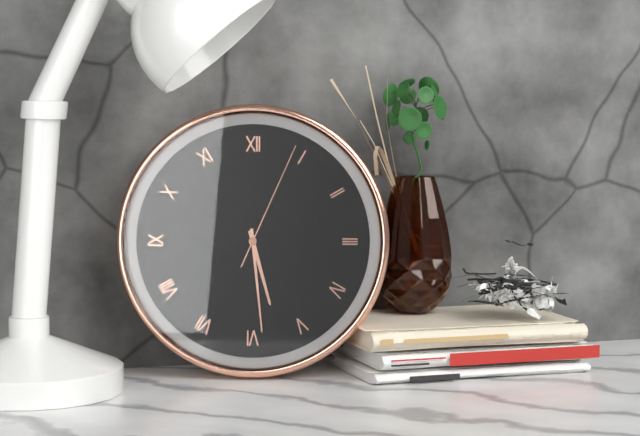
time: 5:29:04
